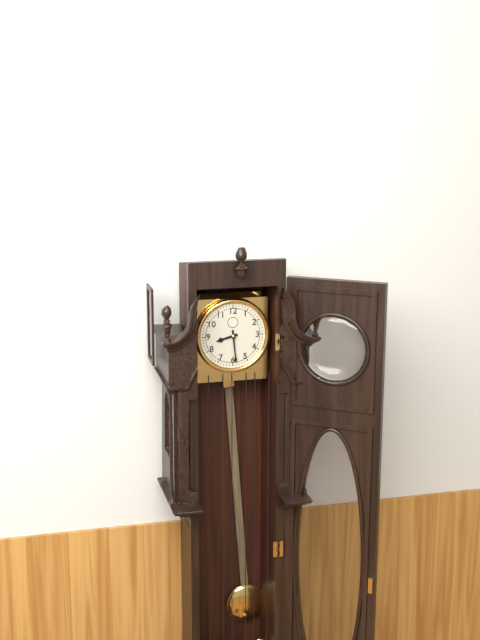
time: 8:29
